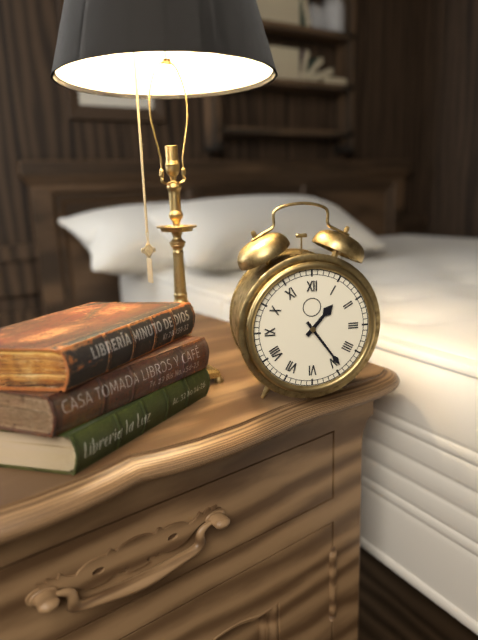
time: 1:24
